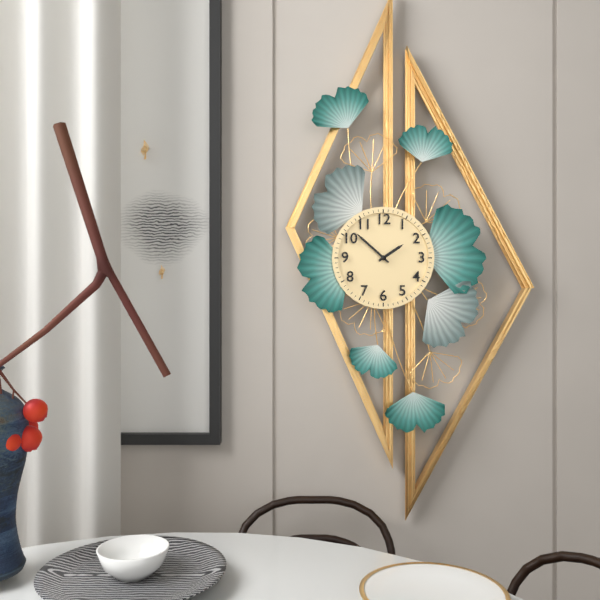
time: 1:52
